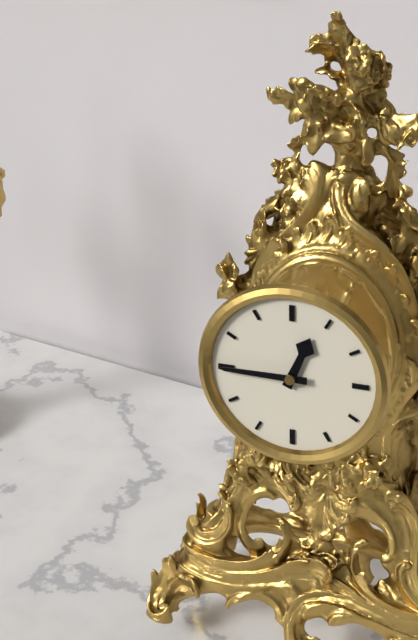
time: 12:45
